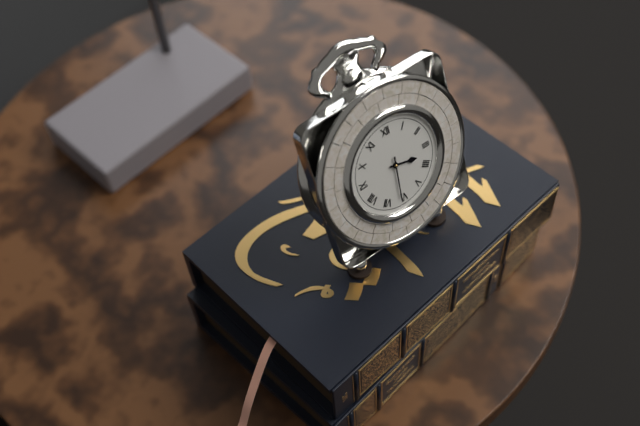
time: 3:31
